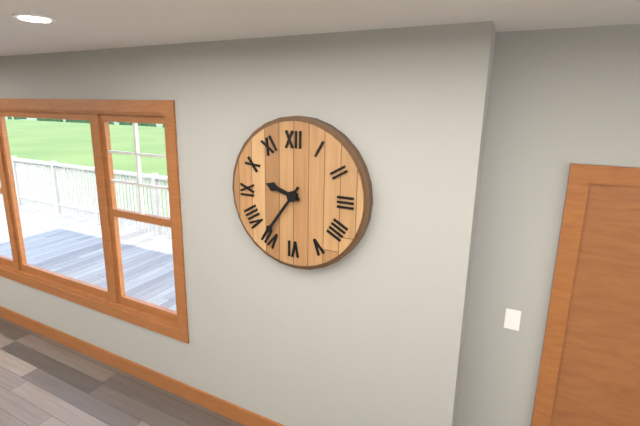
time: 9:36
